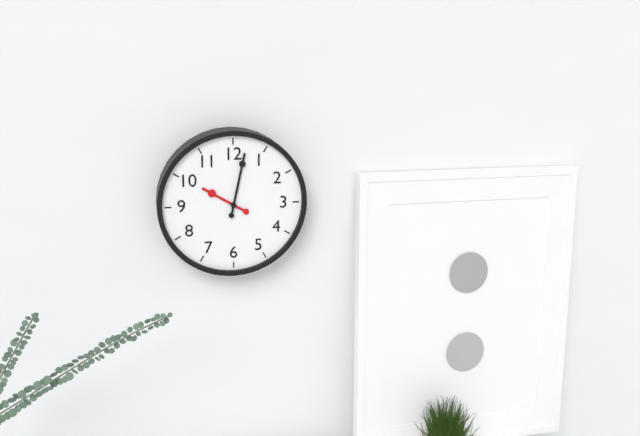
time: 10:02
